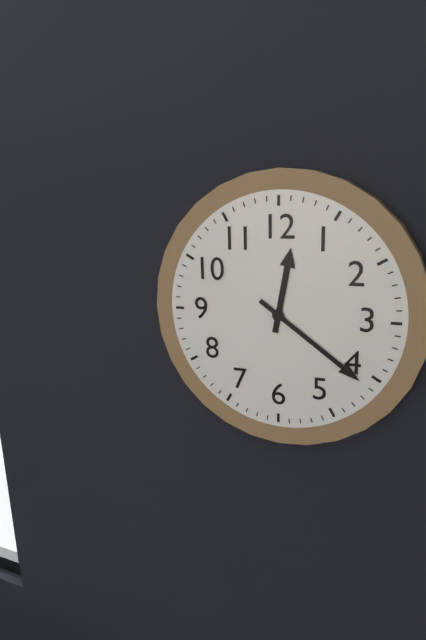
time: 12:21
